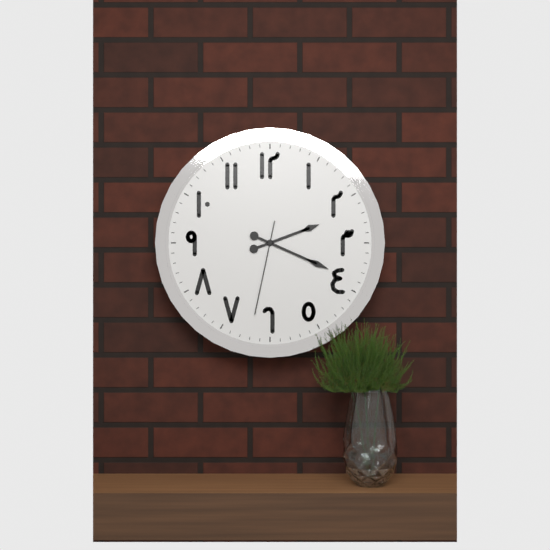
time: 2:19:32
